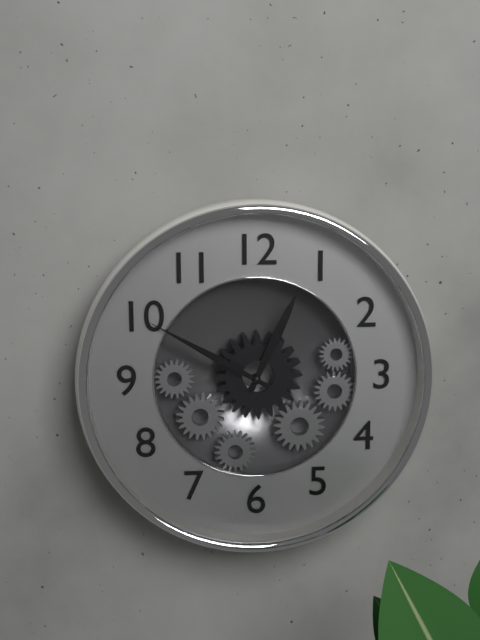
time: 12:50
